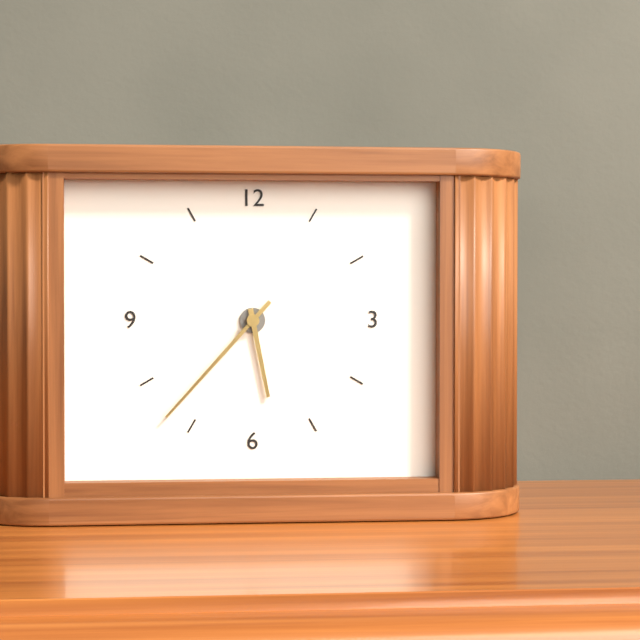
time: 5:37
